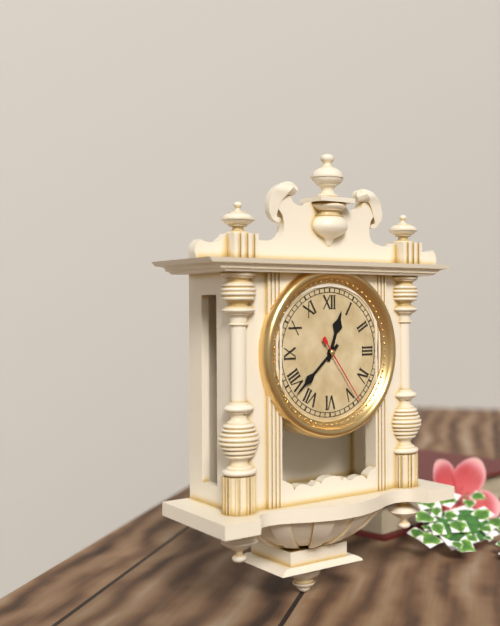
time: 12:38:24
